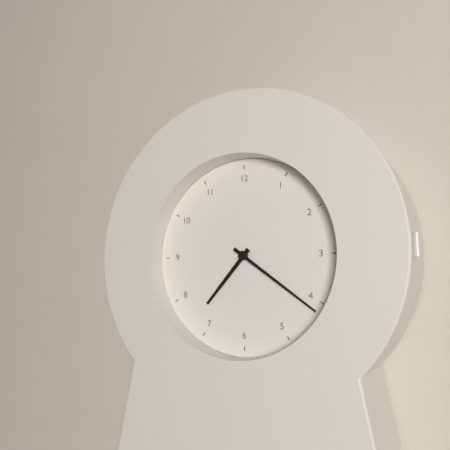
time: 7:21
